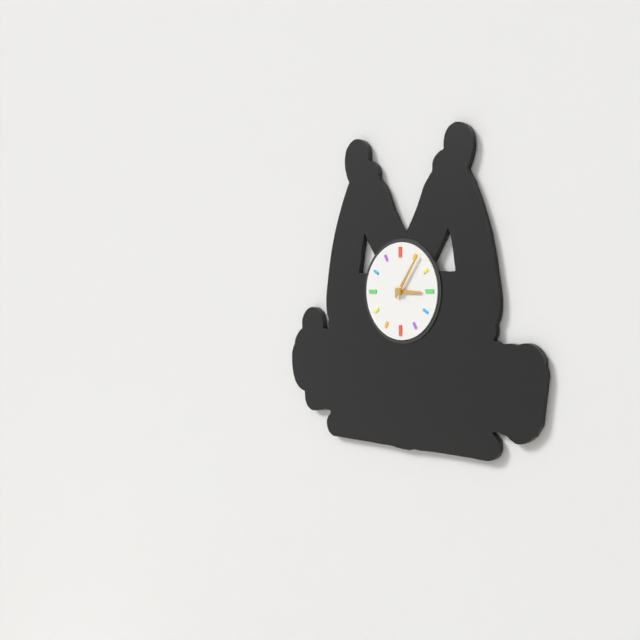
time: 3:06
